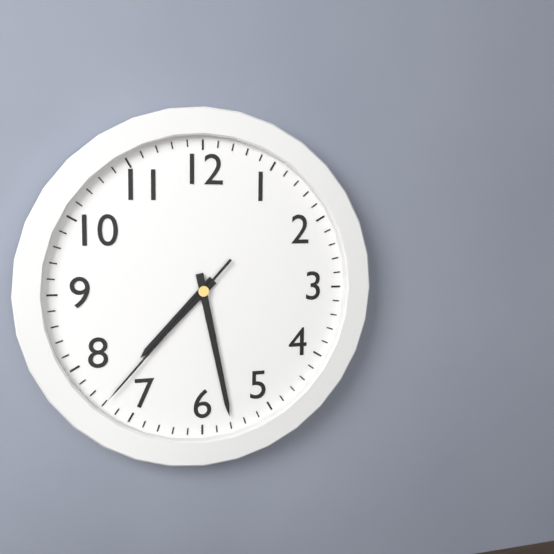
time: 7:28:37
